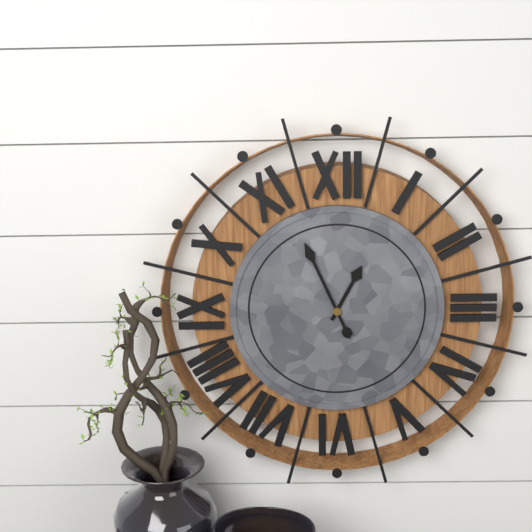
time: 12:56
